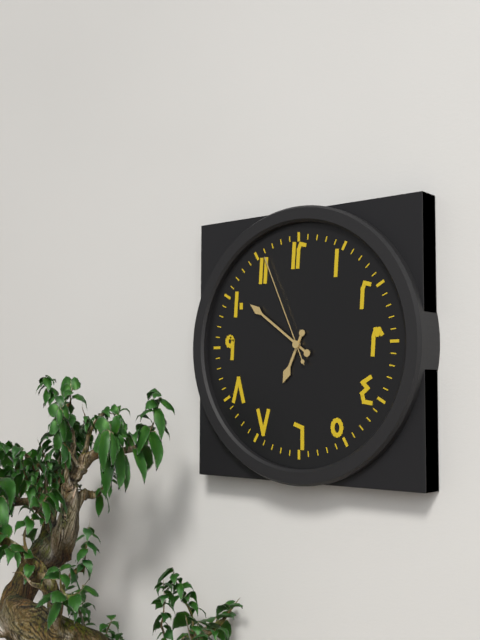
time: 6:51:56
